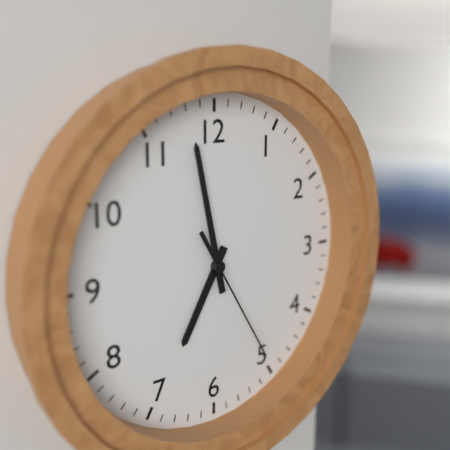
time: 6:58:25
